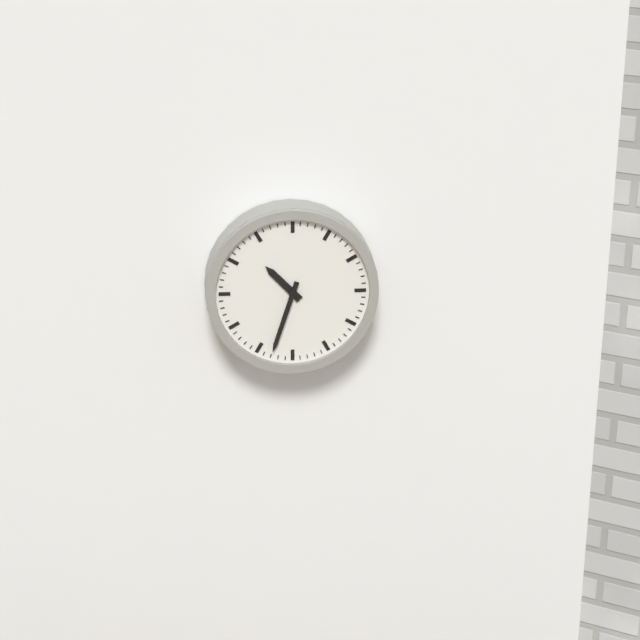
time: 10:33
